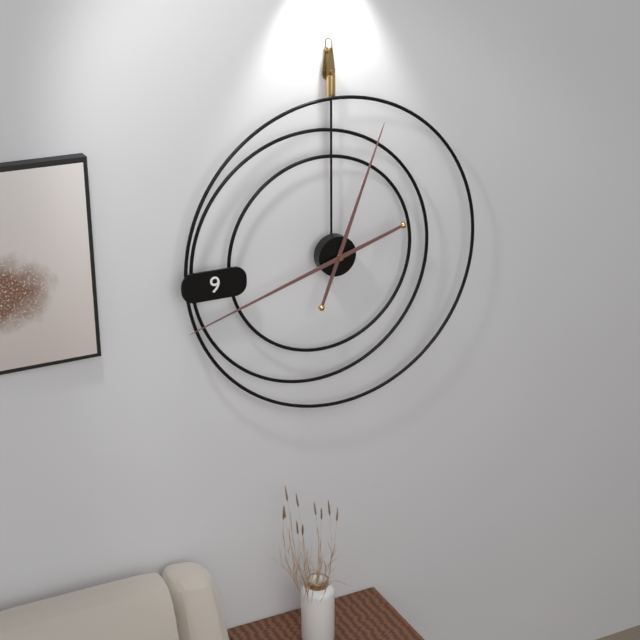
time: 12:42
